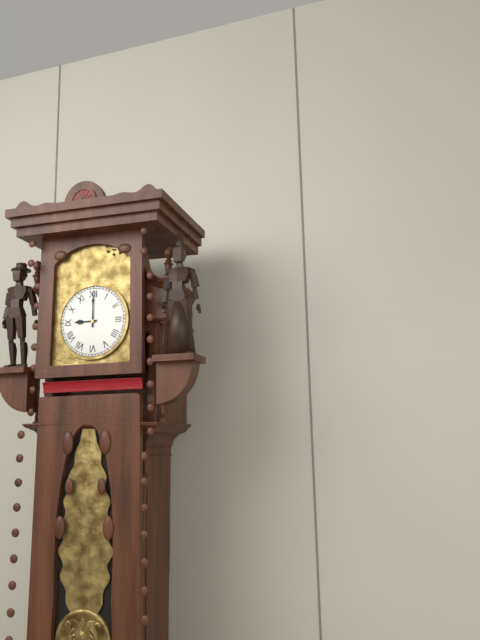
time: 9:00
